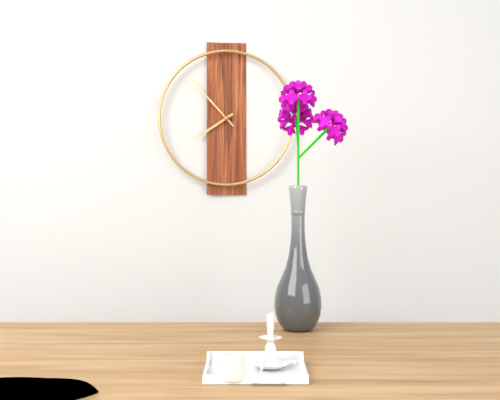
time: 7:53
